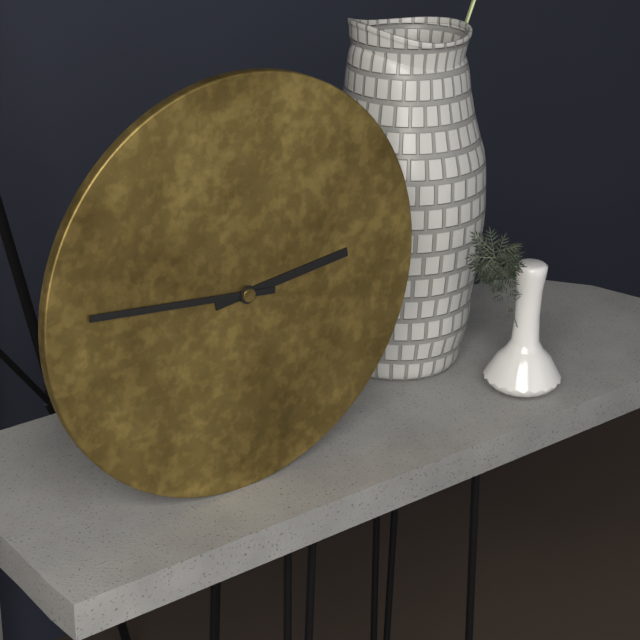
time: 2:46
